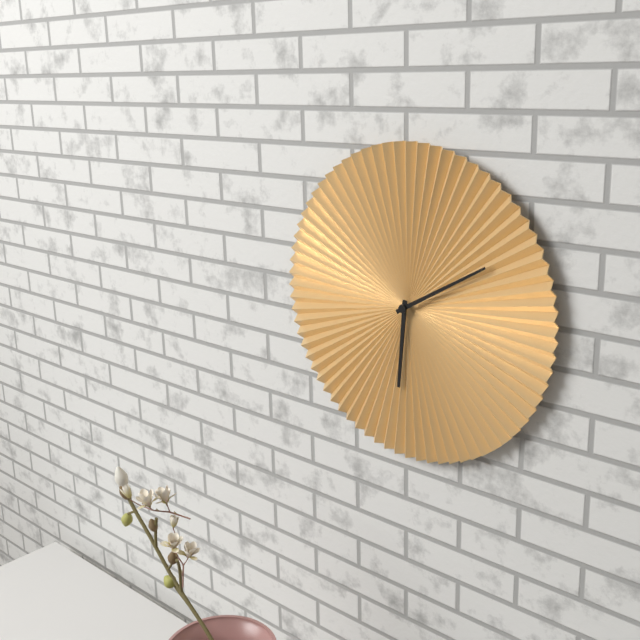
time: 6:10
